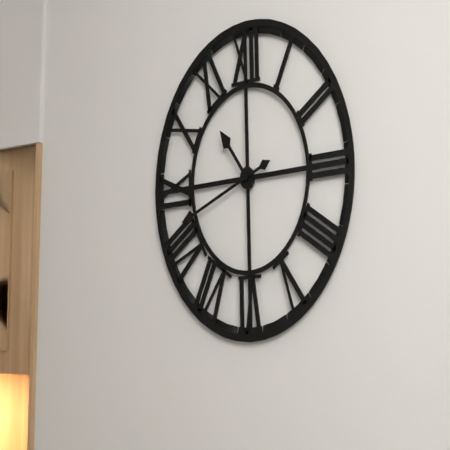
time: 10:42
